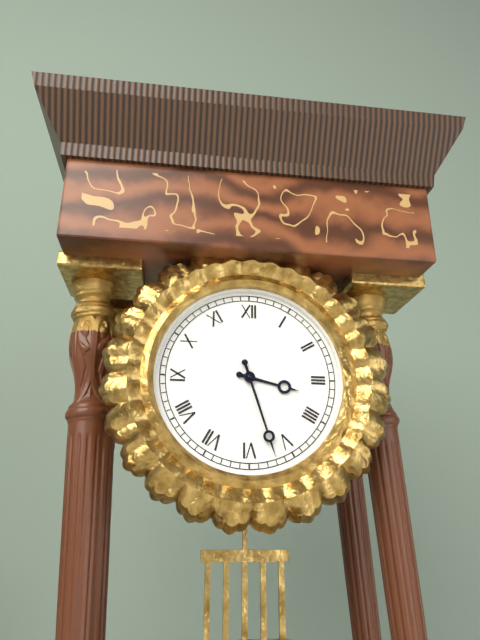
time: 3:27
